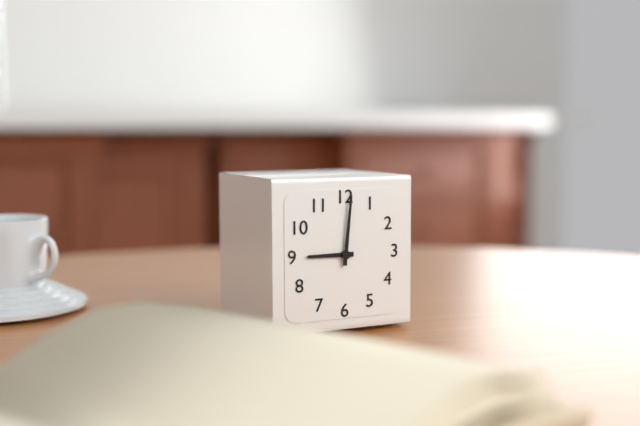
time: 9:01
